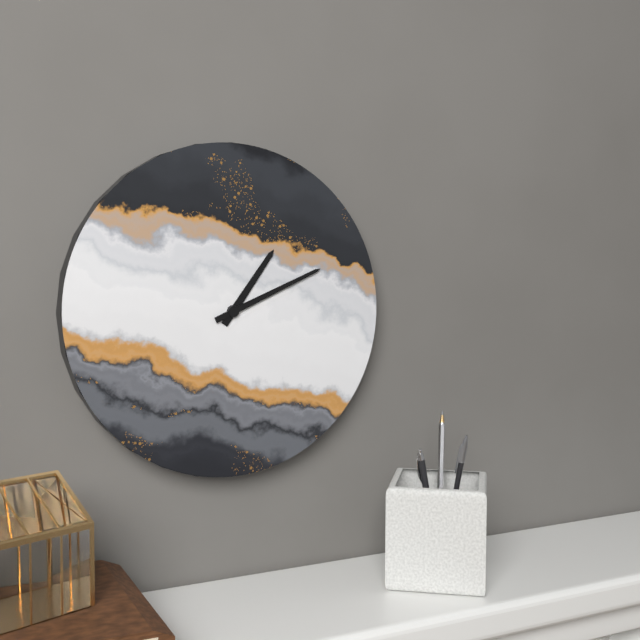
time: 1:11
